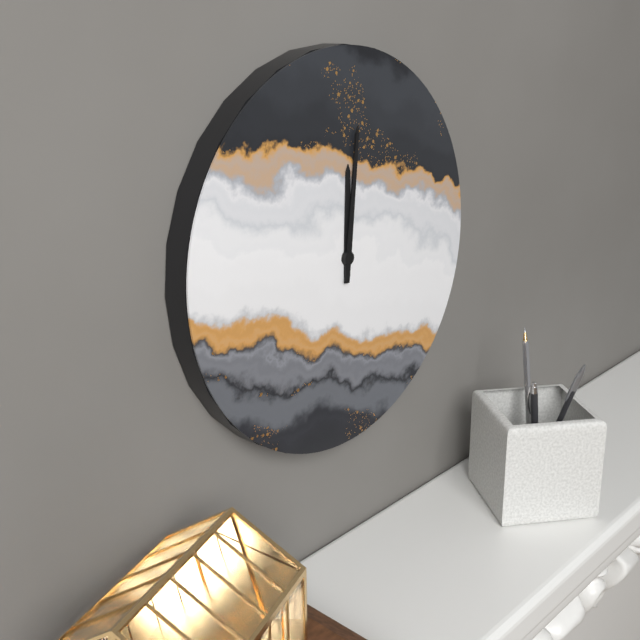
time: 12:01
